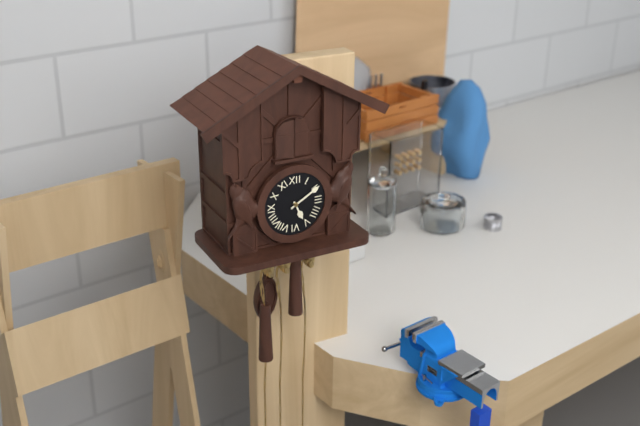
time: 5:10
